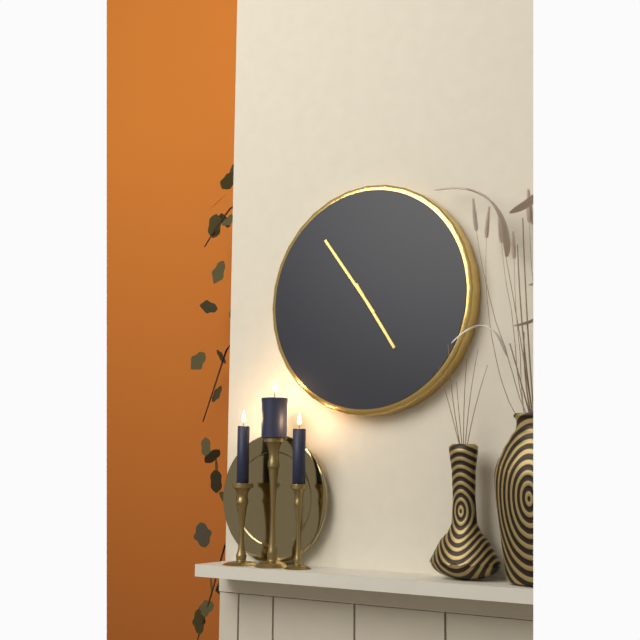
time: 4:54
